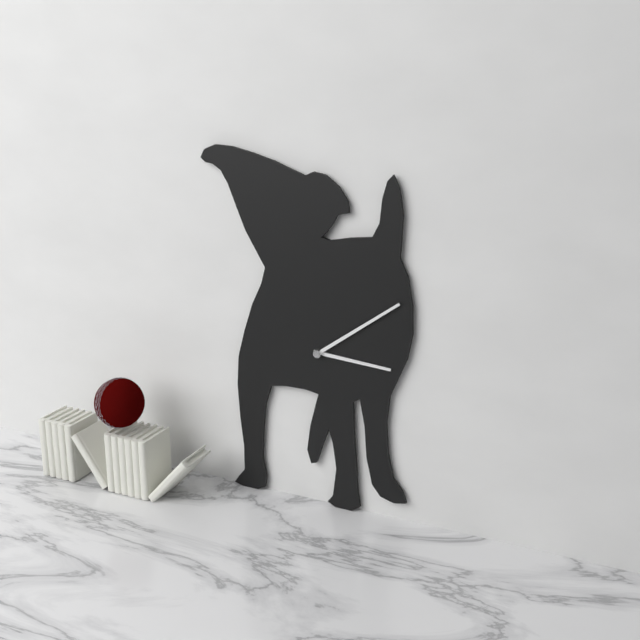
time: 3:09
